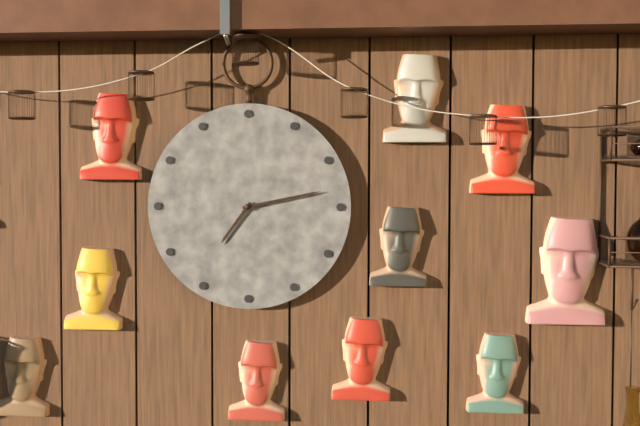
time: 7:13
